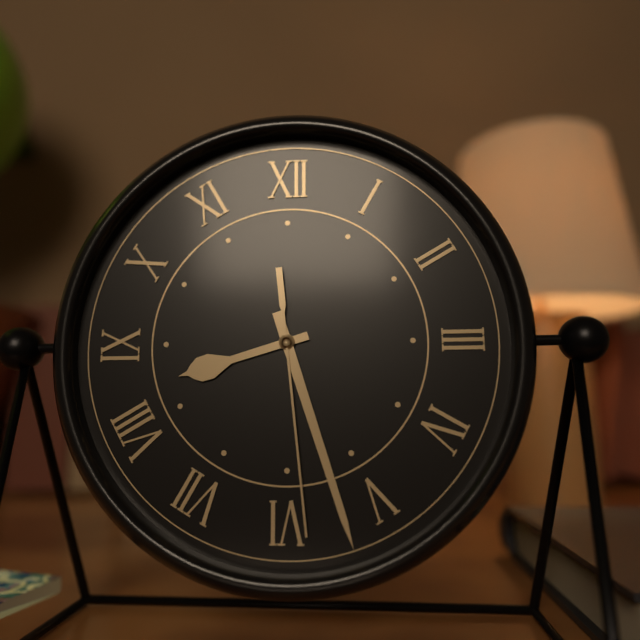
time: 8:27:29
